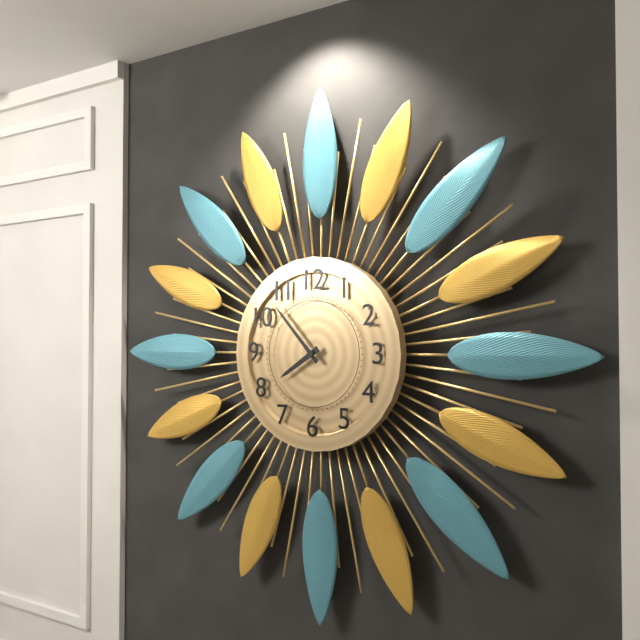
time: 7:53
